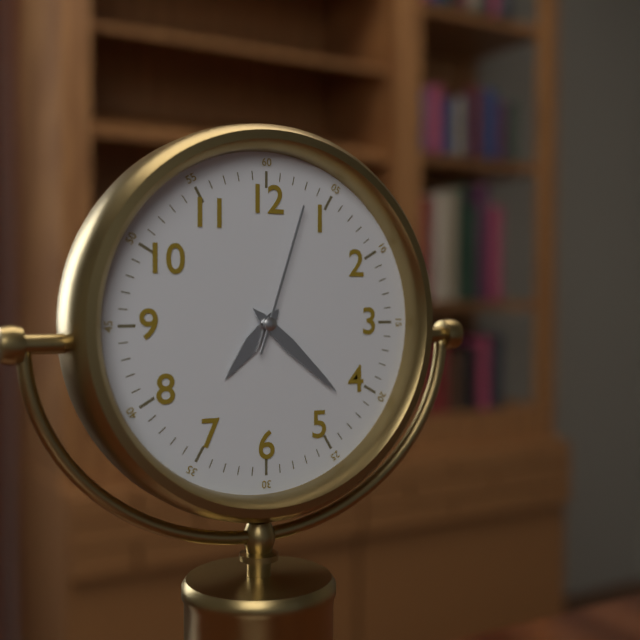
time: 7:22:03
